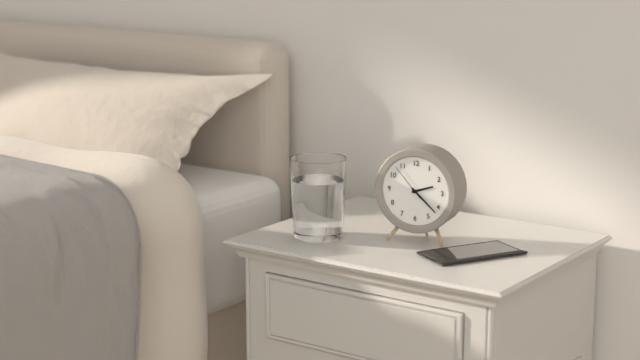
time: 2:22
